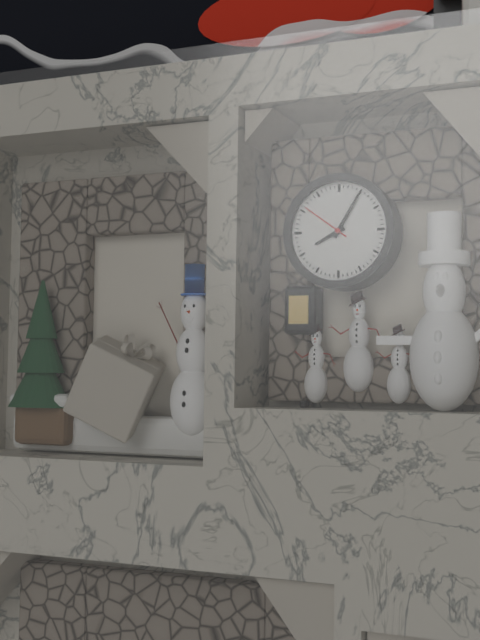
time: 8:05:51
